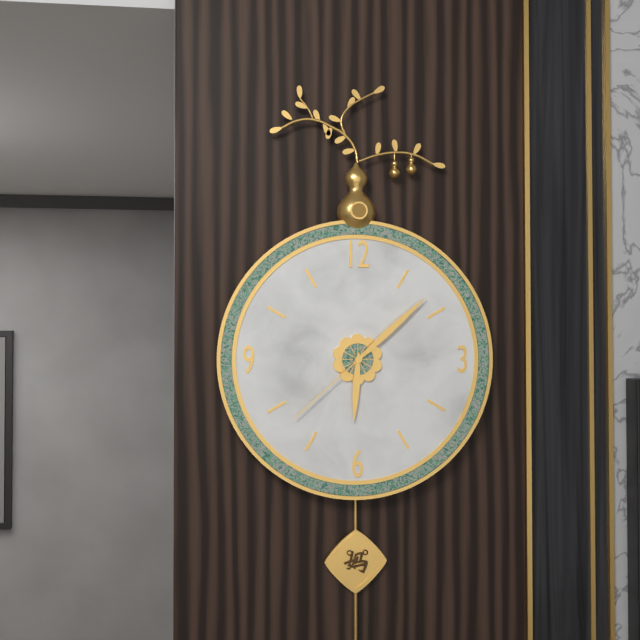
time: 6:08:38
